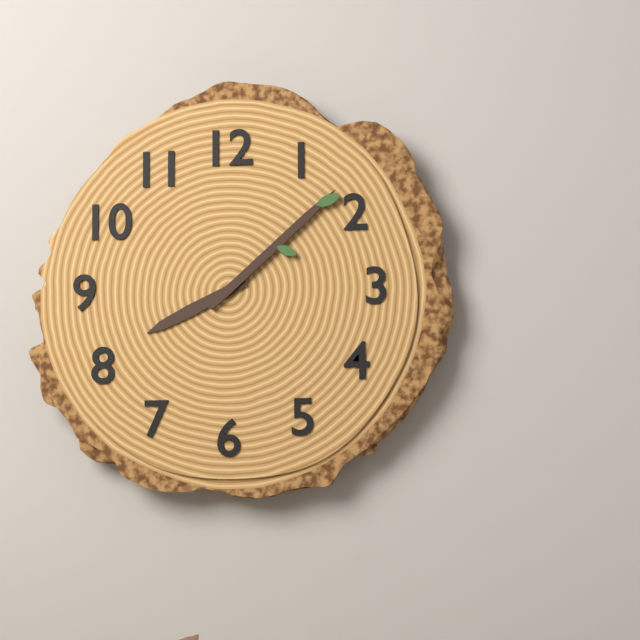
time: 8:08
